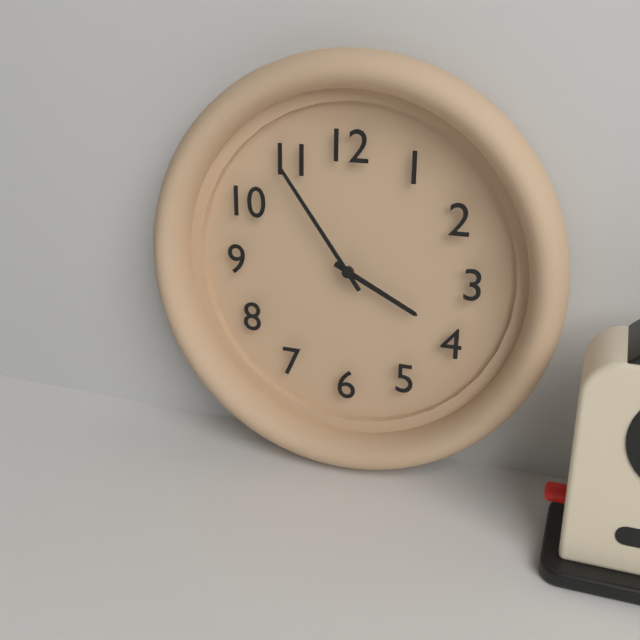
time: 3:54
